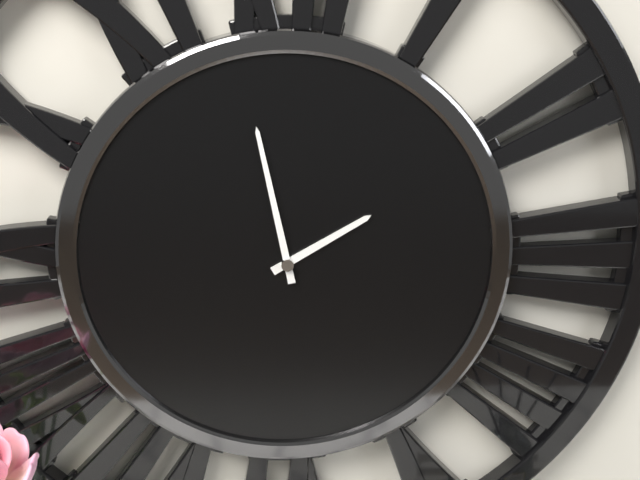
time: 1:58
